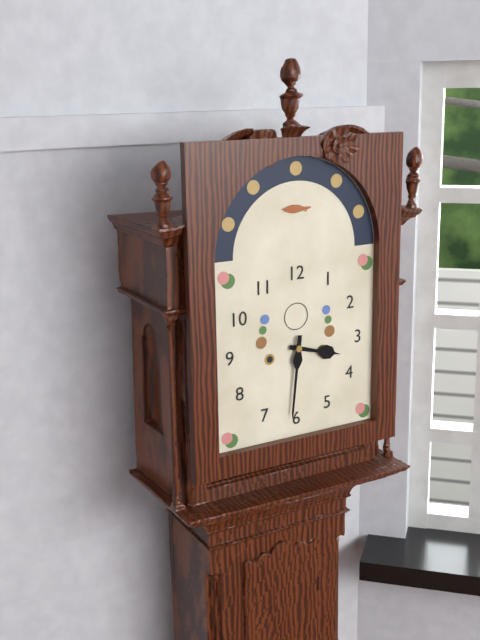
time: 3:31
